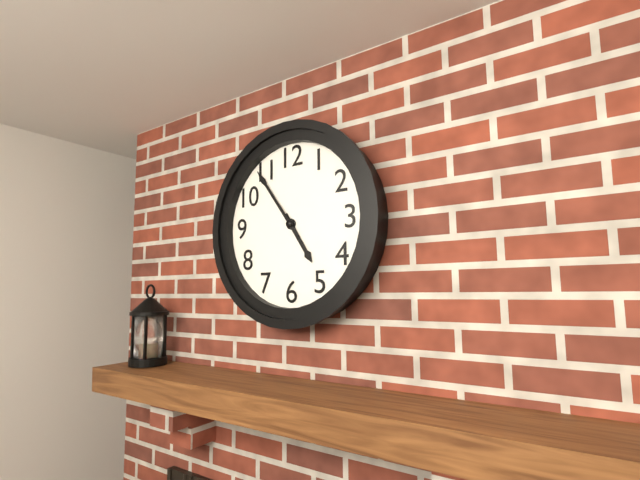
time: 4:54
